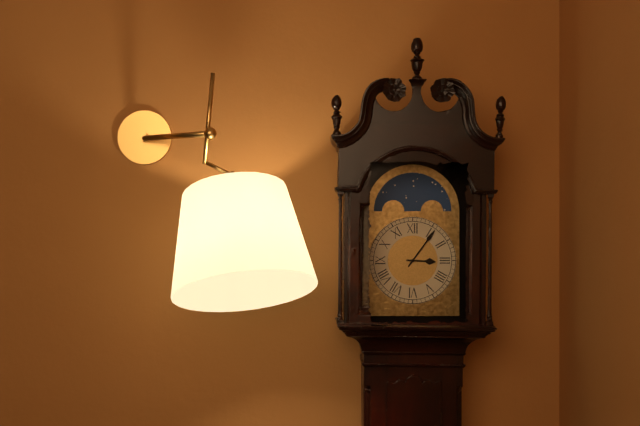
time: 3:06
